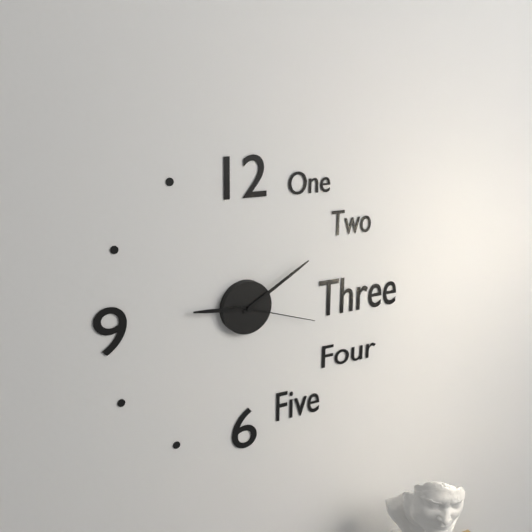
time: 9:10:18
